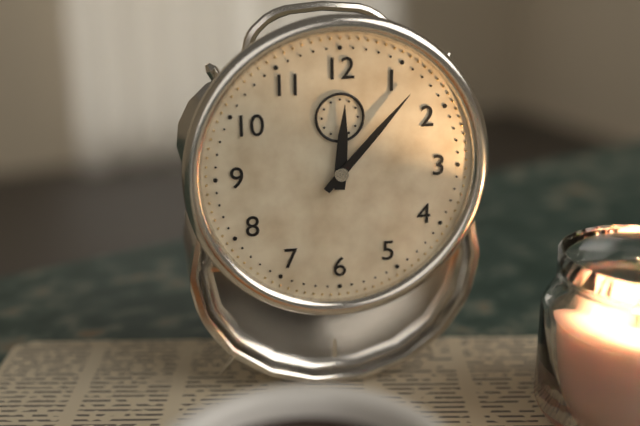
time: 12:07
